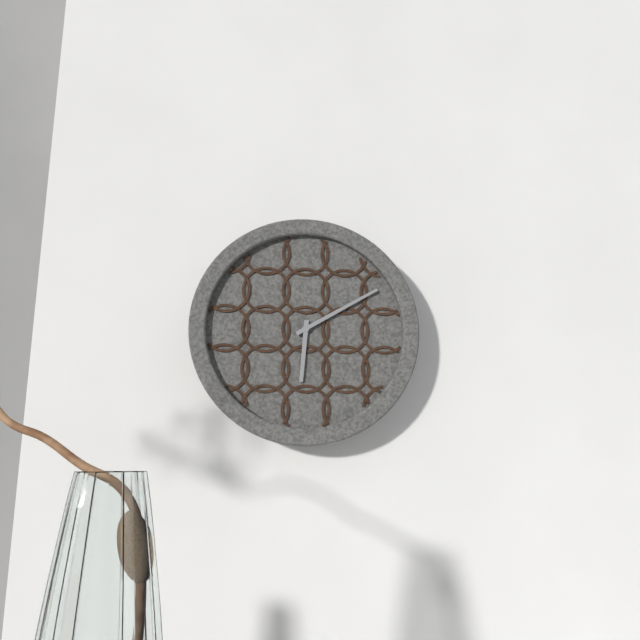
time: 6:10
